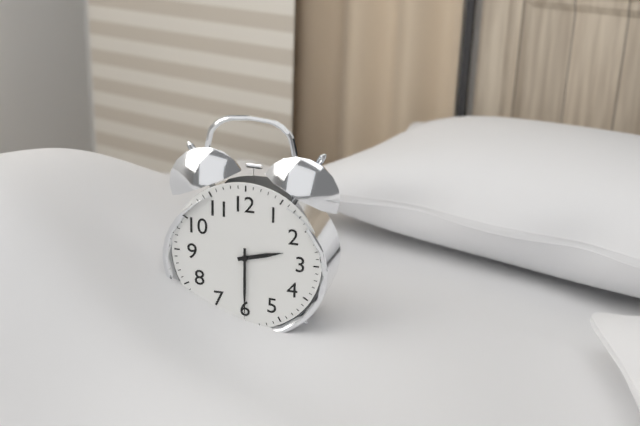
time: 2:30
